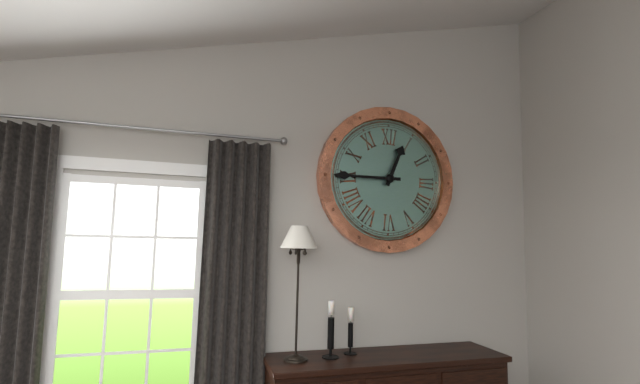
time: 12:45
